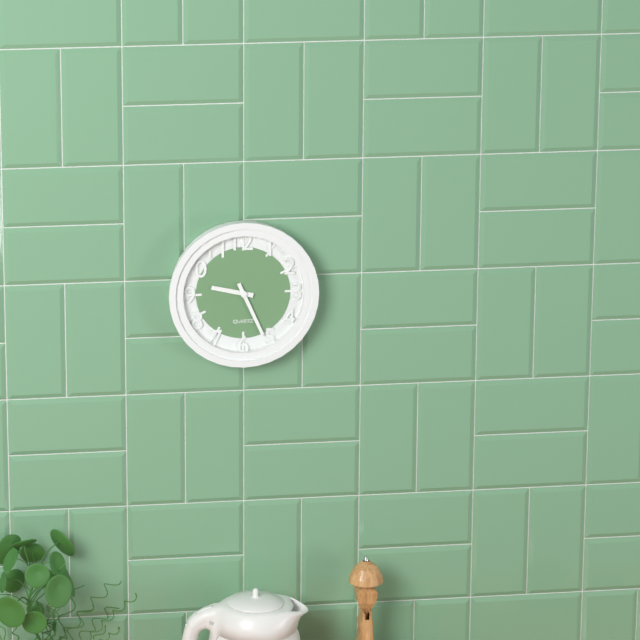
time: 9:26
